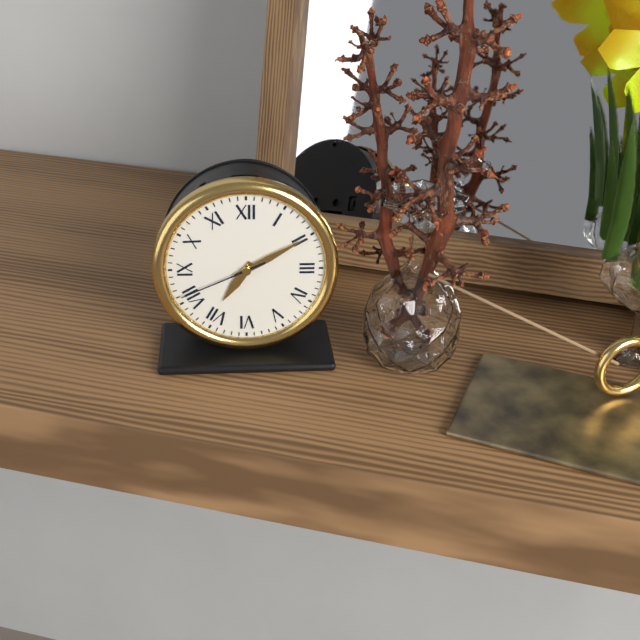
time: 7:10:41
